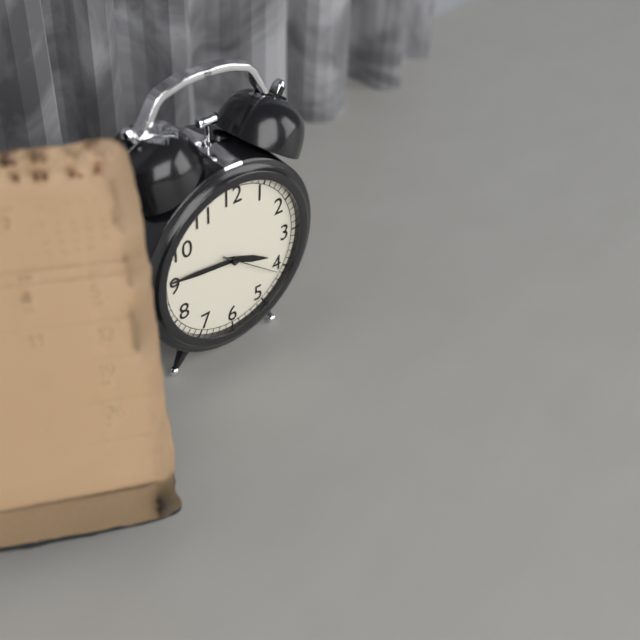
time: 3:46:21
